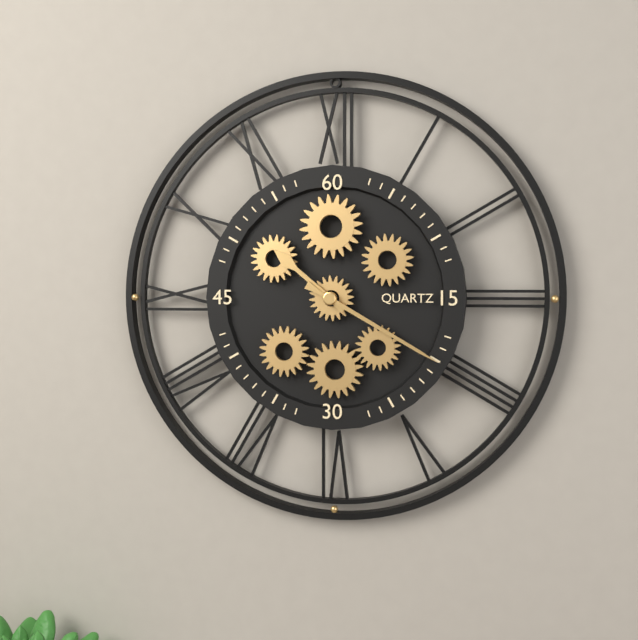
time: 10:20
